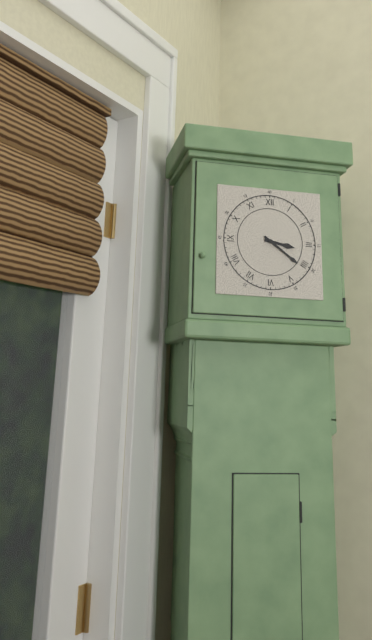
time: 3:21
